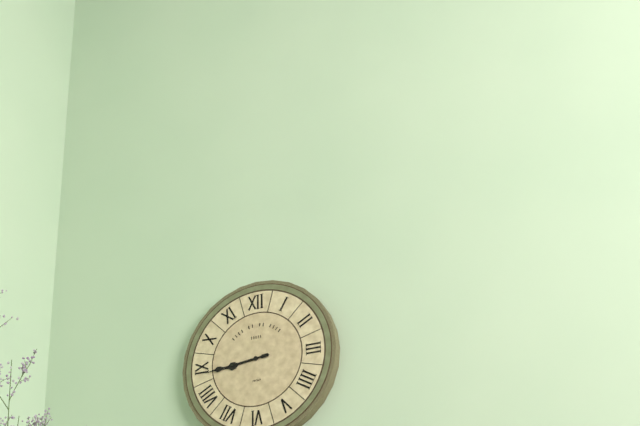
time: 8:44
